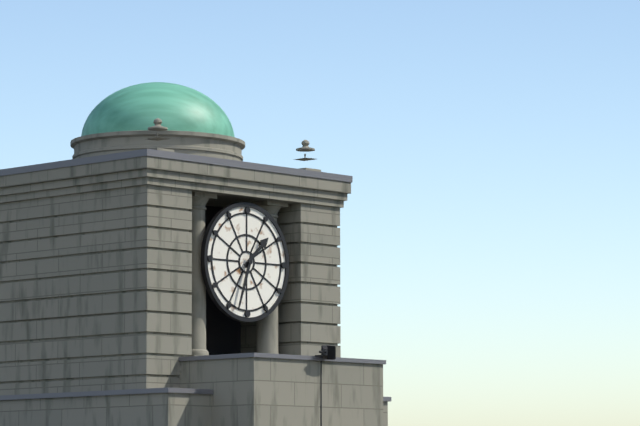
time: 1:33
